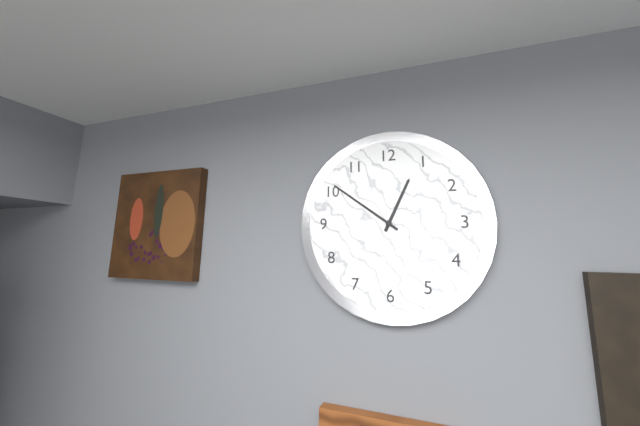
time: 12:51
